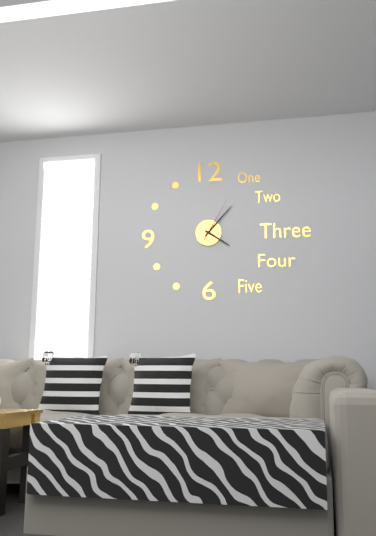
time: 4:07
